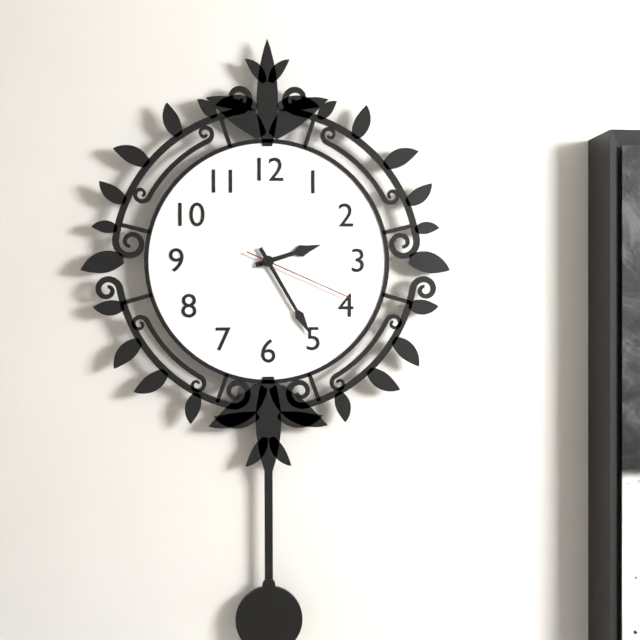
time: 2:25:19
